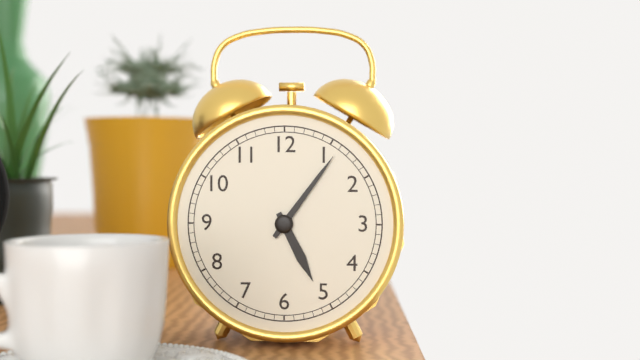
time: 5:06
